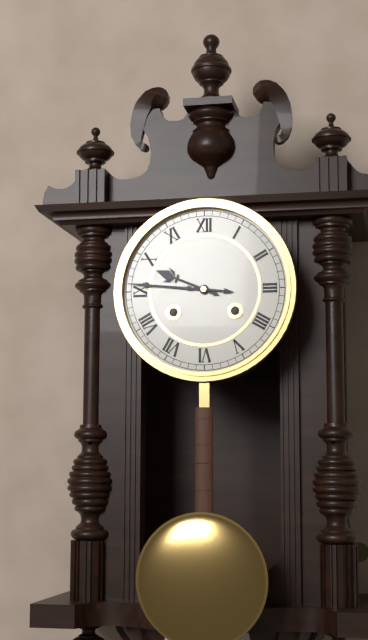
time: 9:46
